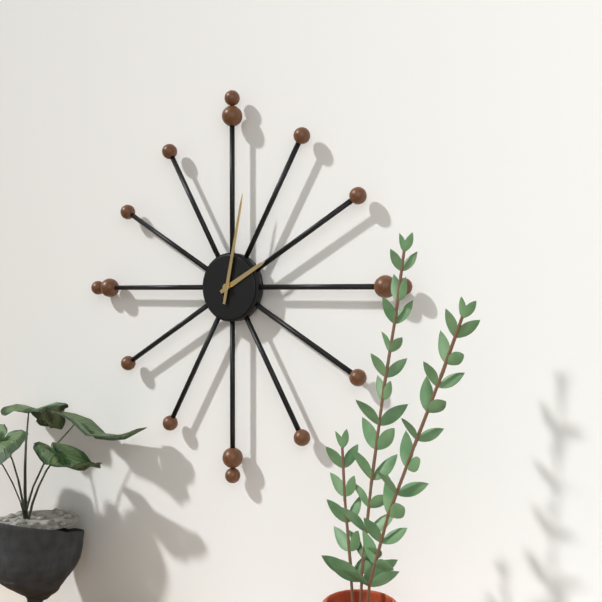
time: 2:02
